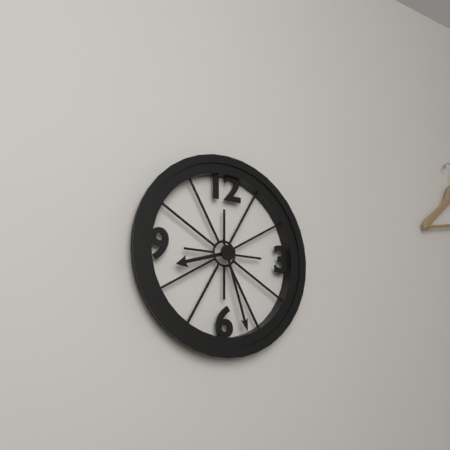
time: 8:27
